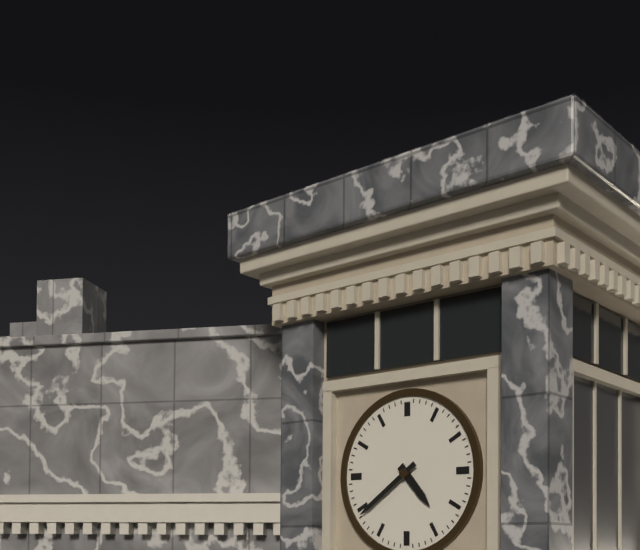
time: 4:39
